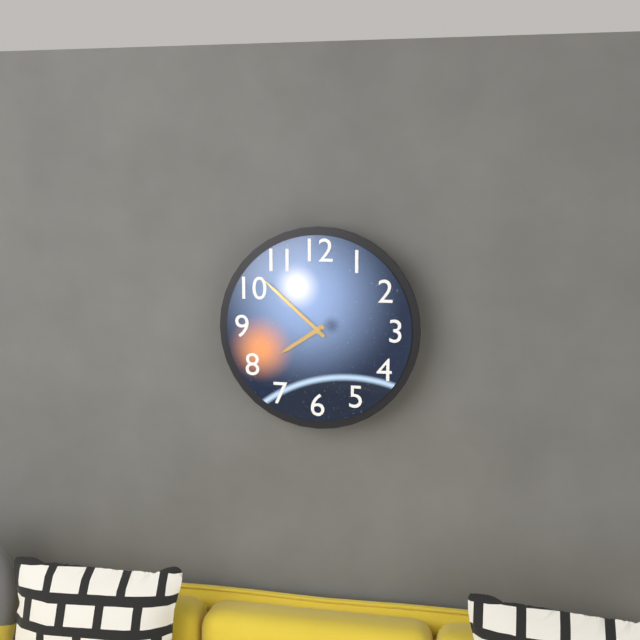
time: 7:52
